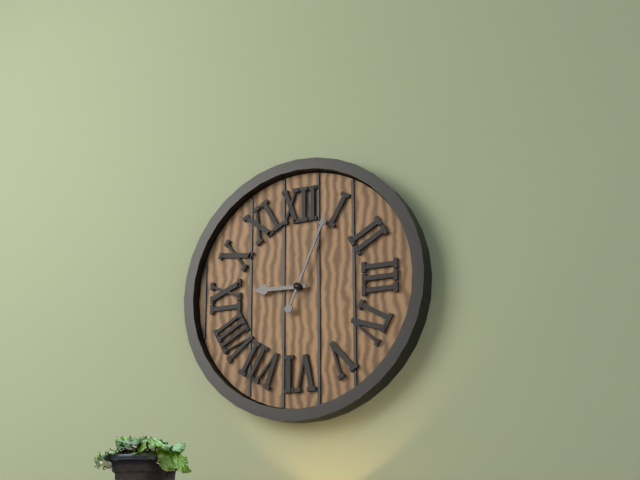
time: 9:04
